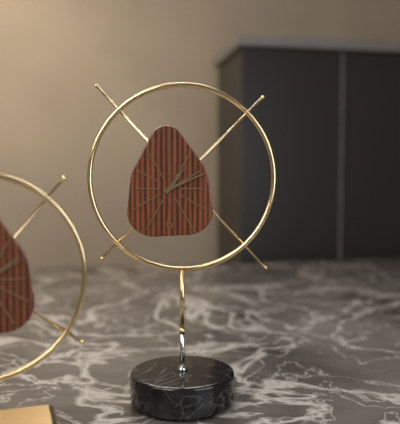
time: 1:11
